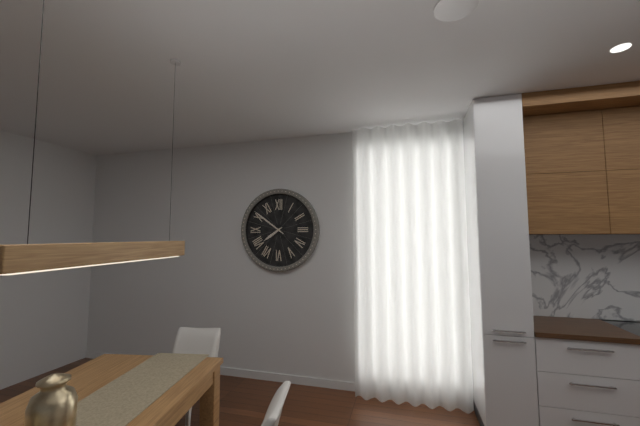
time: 7:51
